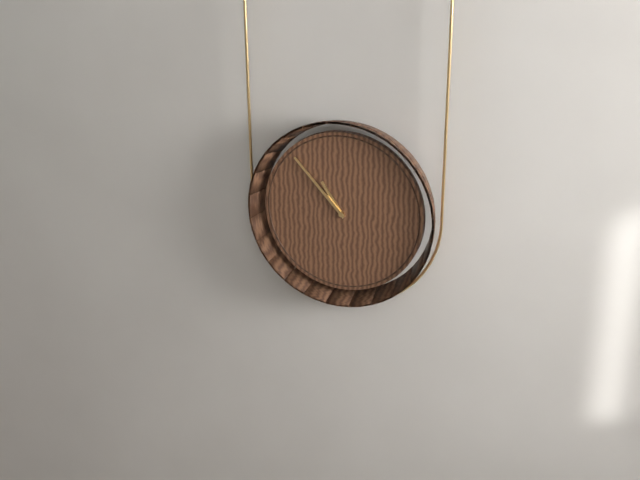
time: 10:53
